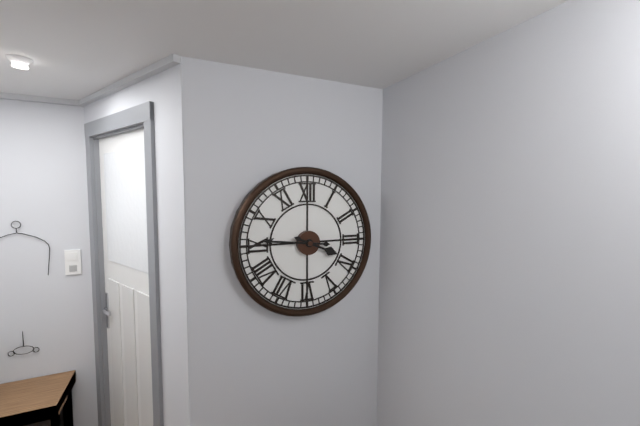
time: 3:46
